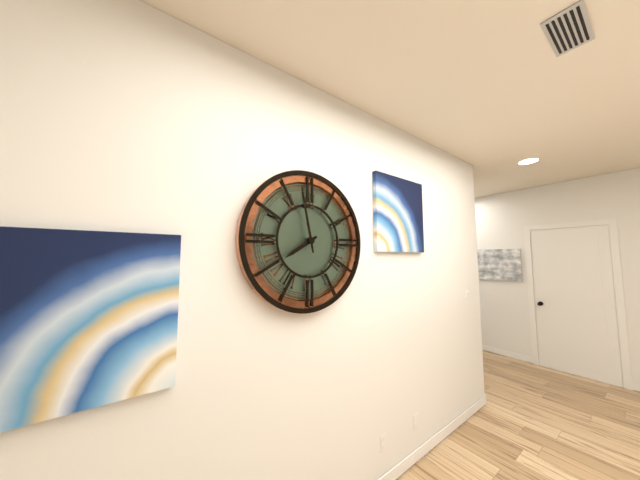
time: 7:58
